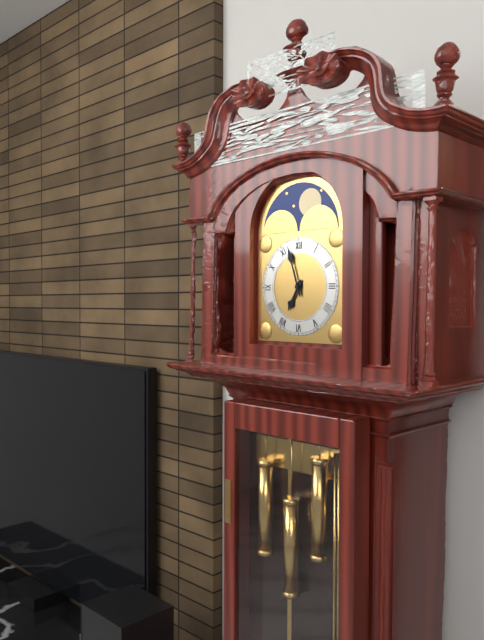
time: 6:57
